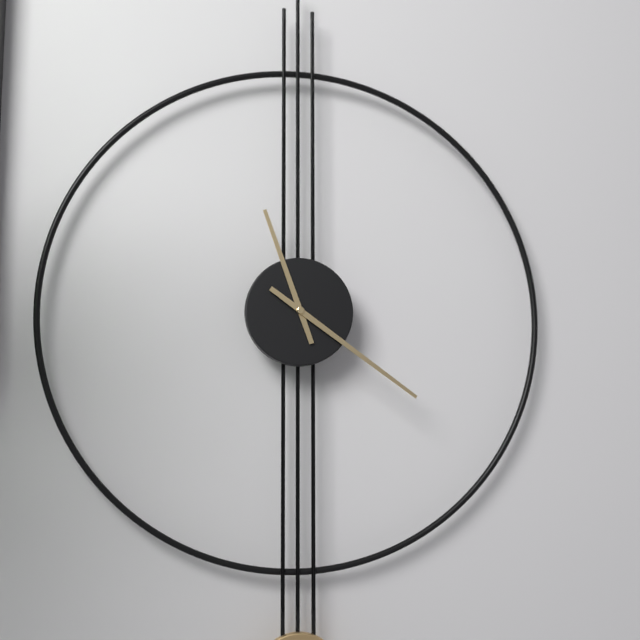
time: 11:21
